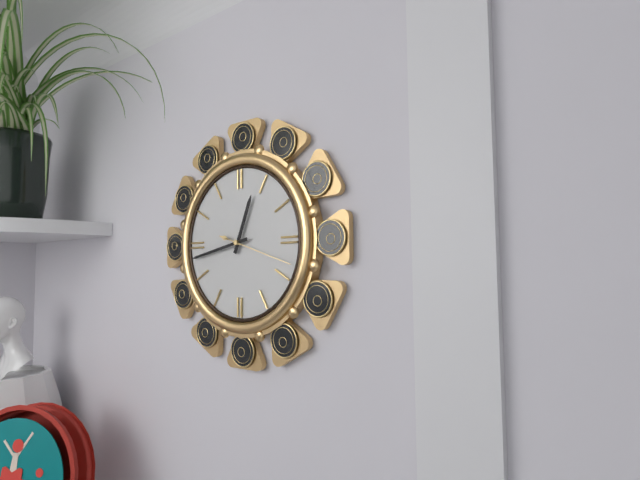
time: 12:43:18
